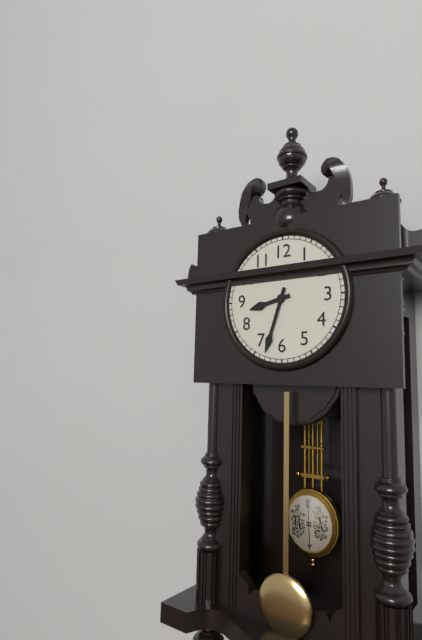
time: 8:33
